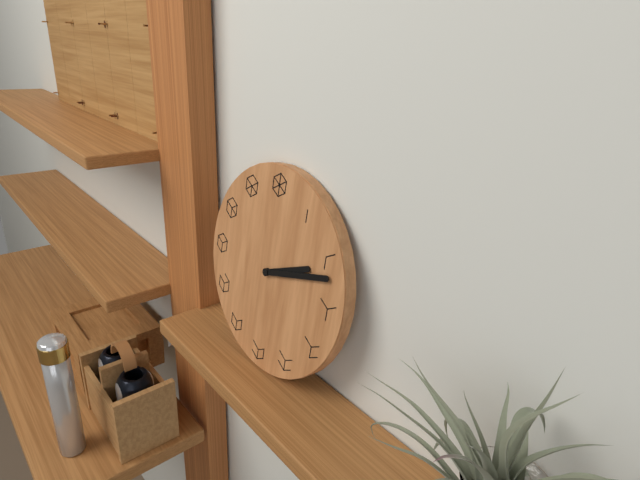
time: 2:12
